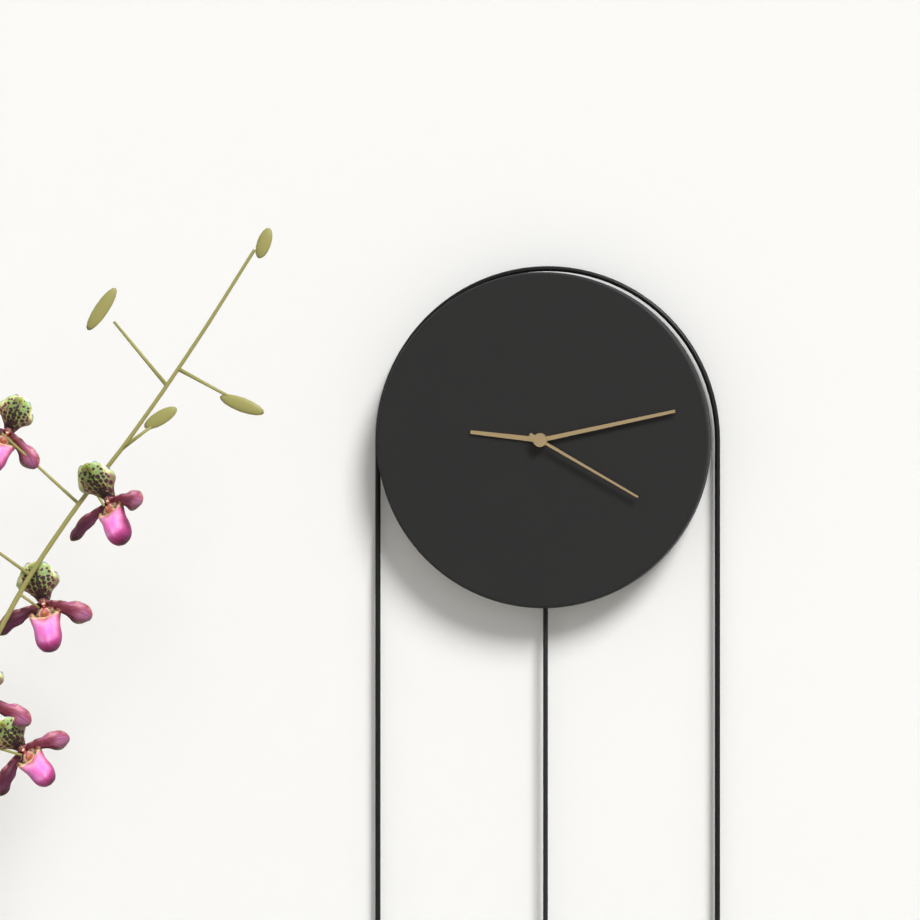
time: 9:13:20
